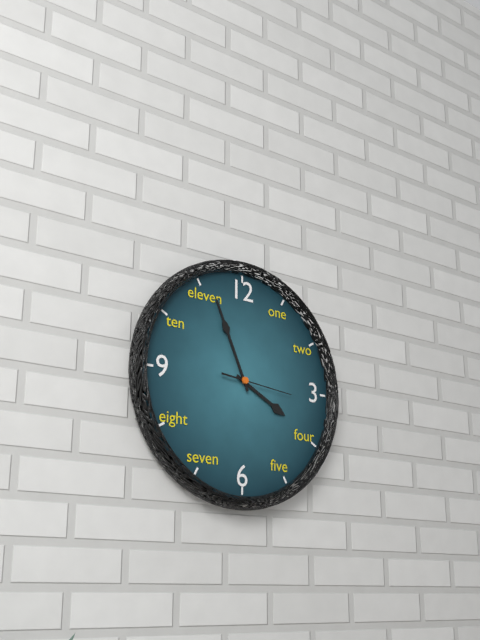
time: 3:56:16
